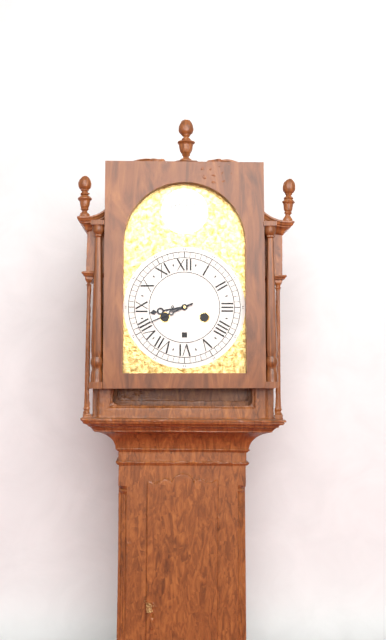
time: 8:41
